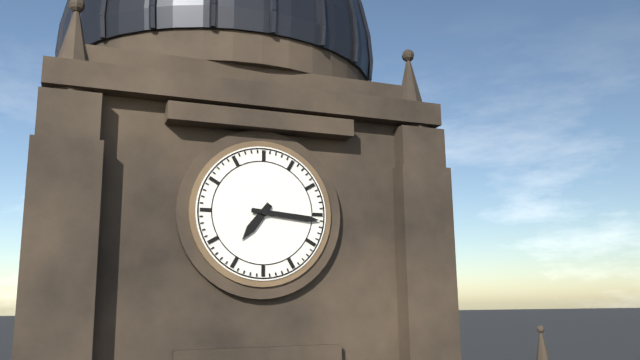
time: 7:16
